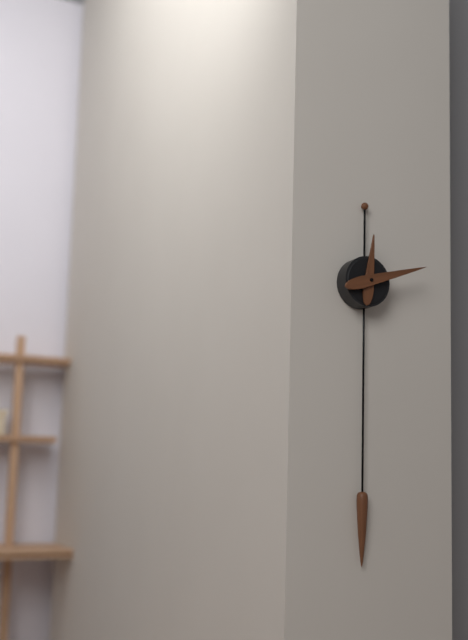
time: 12:12
